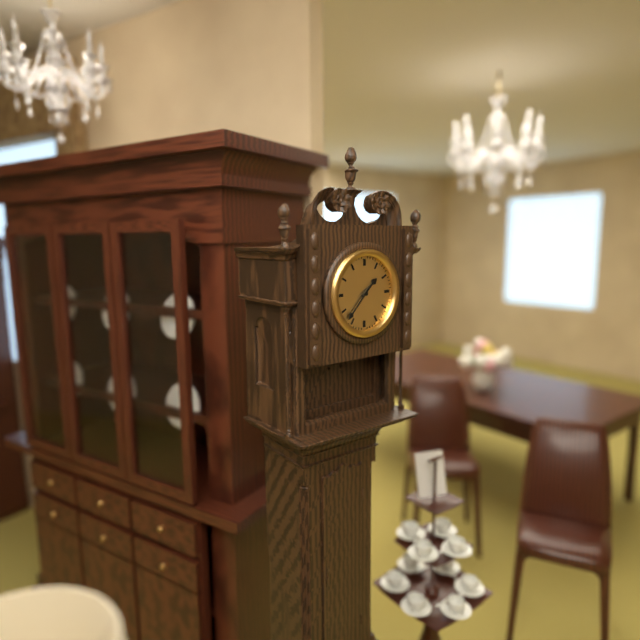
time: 1:37
